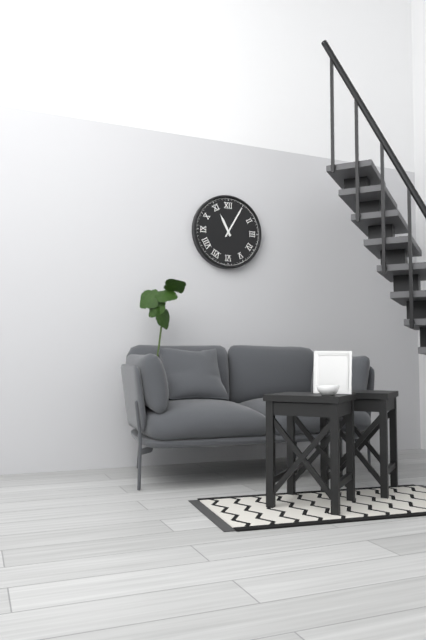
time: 11:05
